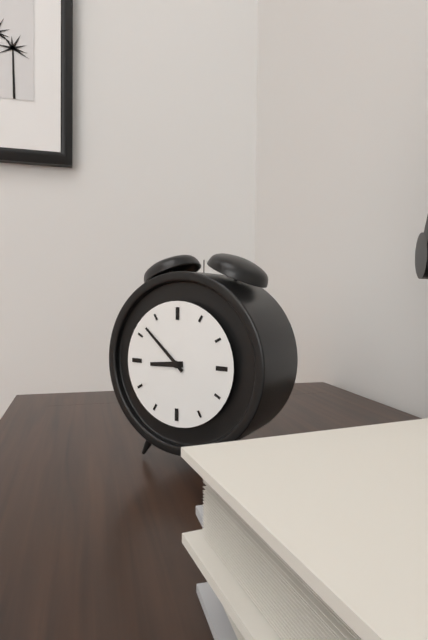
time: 8:52
